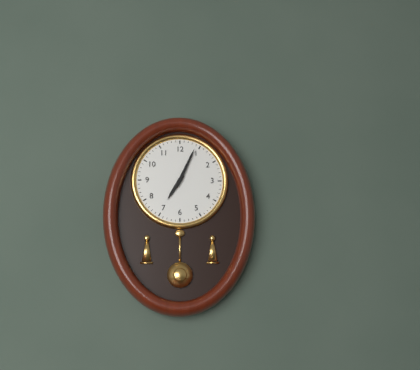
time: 7:04
